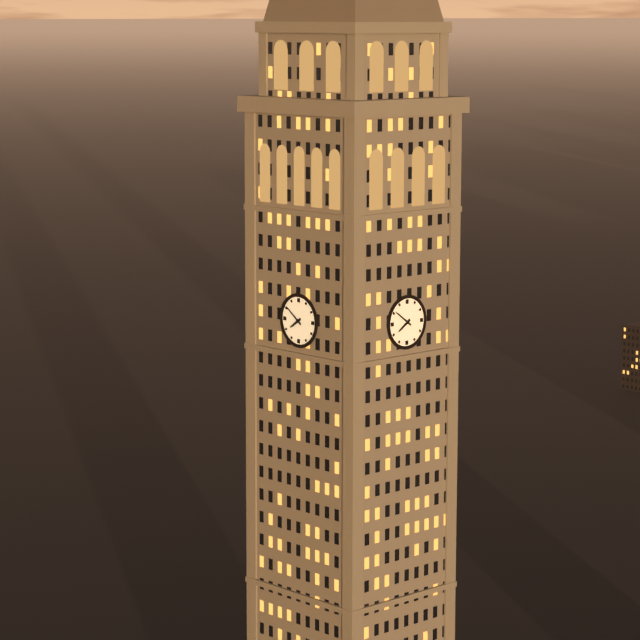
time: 7:51
